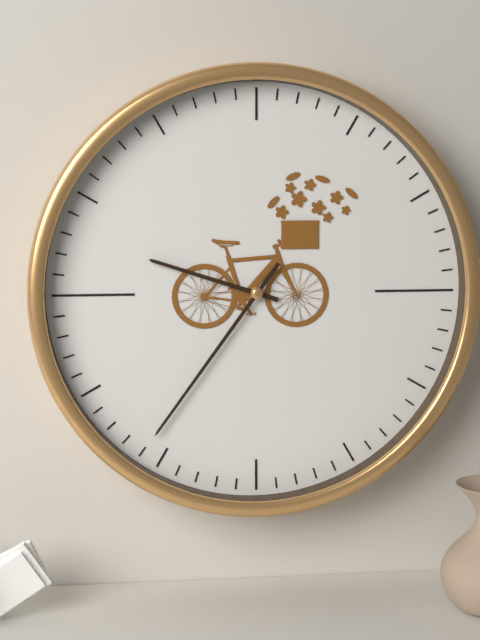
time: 9:36
